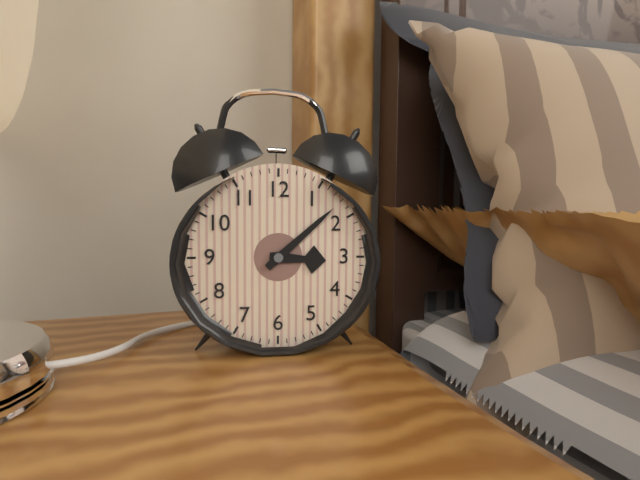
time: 3:08
